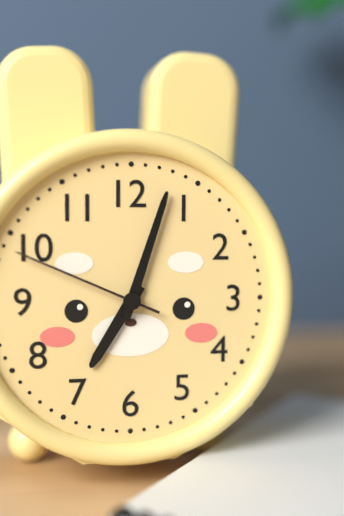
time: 7:03:49
